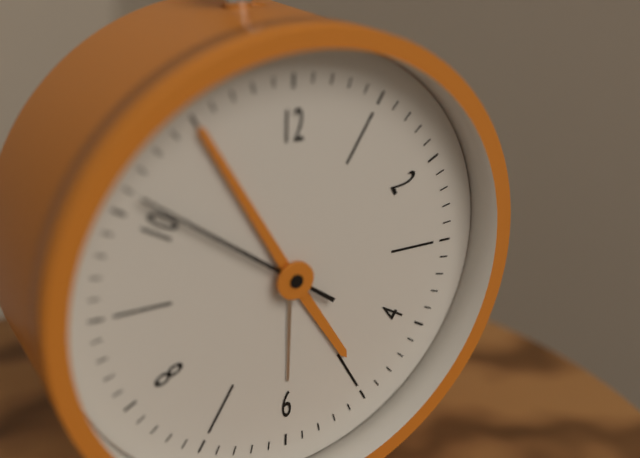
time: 4:55:51
